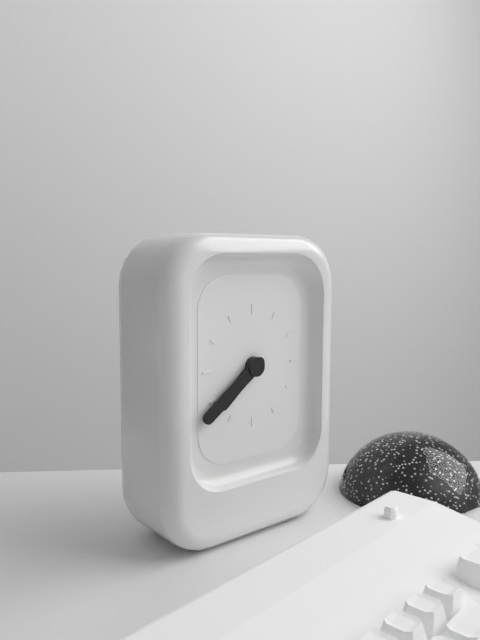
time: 7:39
